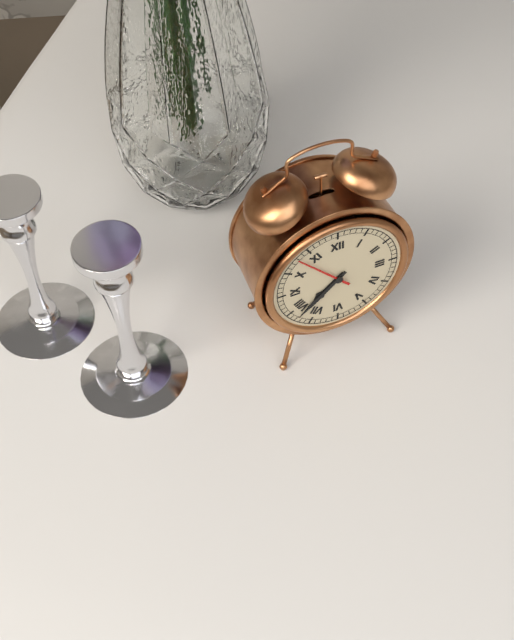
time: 7:38:53
